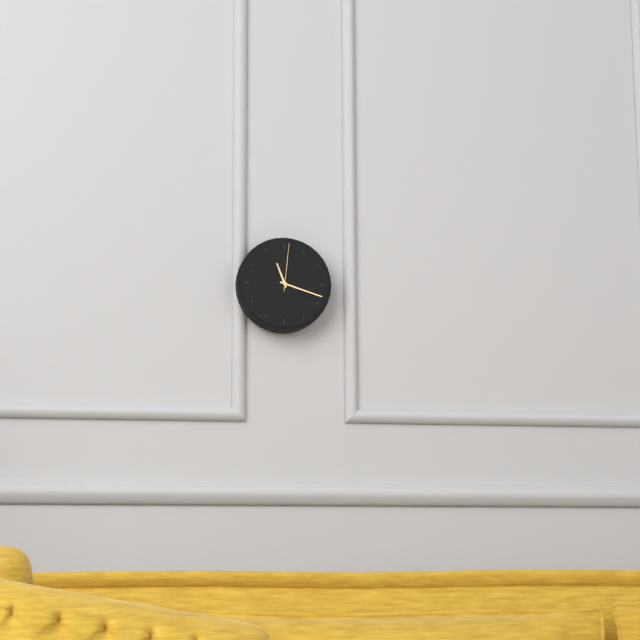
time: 11:18:01
